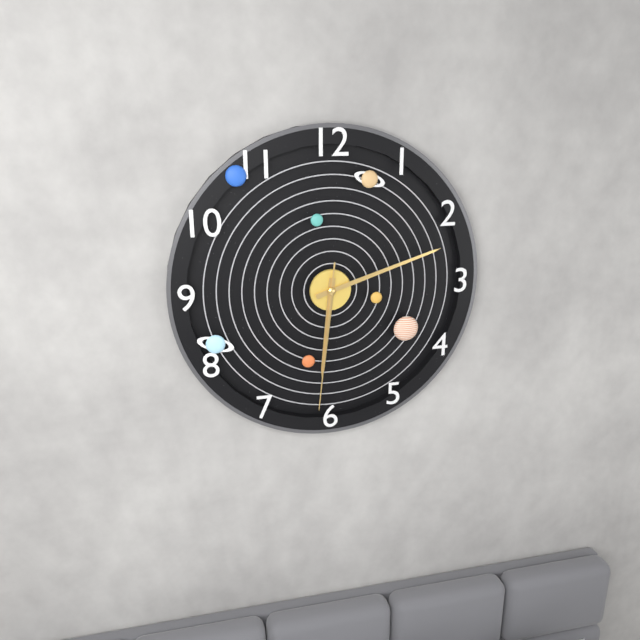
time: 6:12:31
